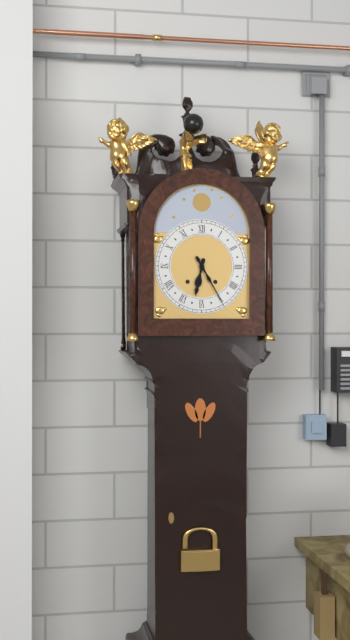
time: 6:25
